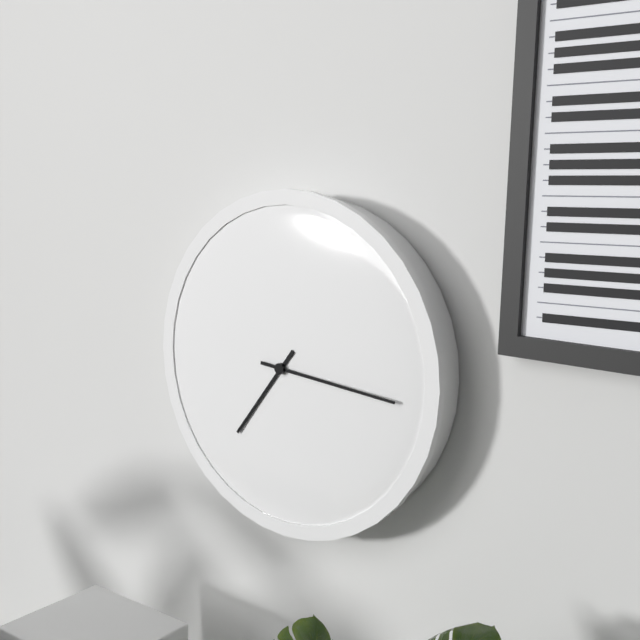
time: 7:16
